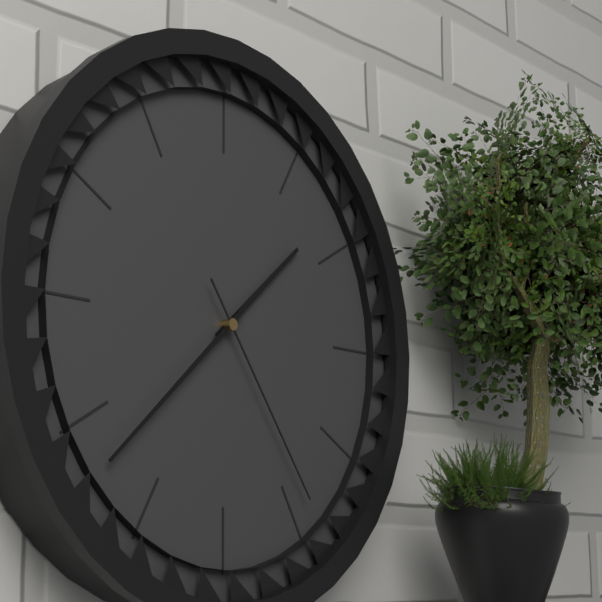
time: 1:38:24
